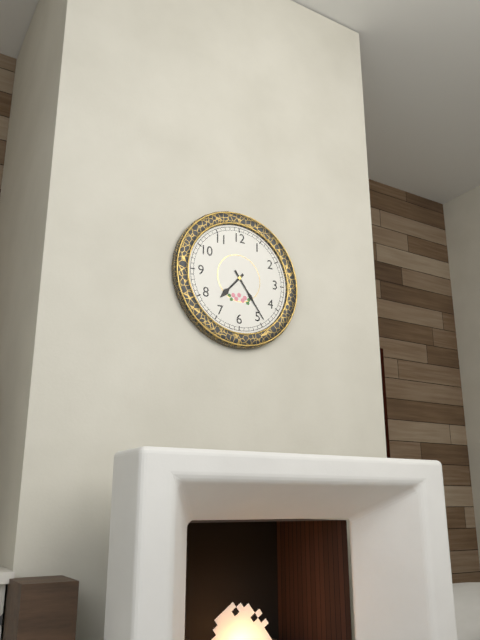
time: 7:24
